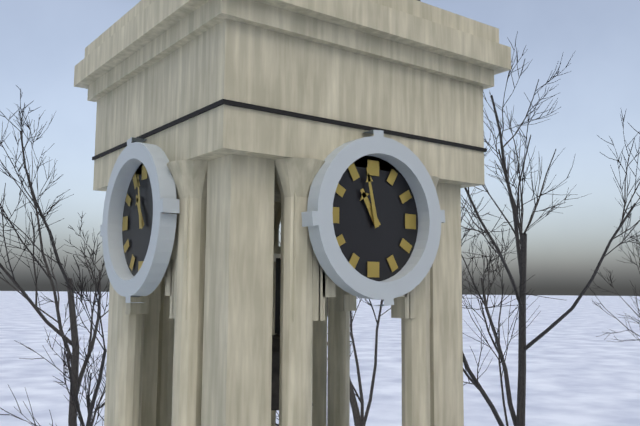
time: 10:58
